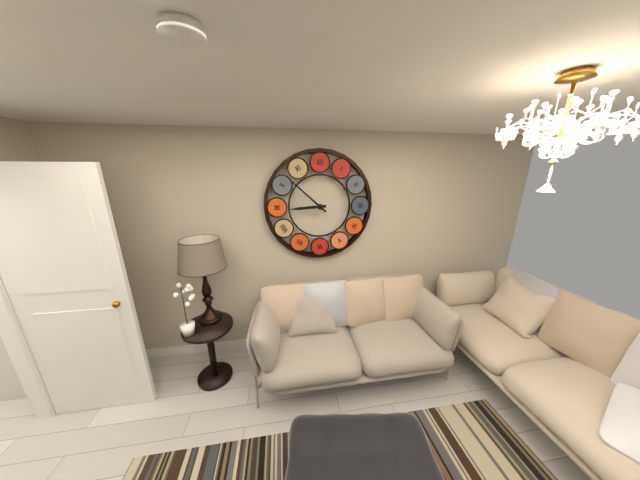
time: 8:52
